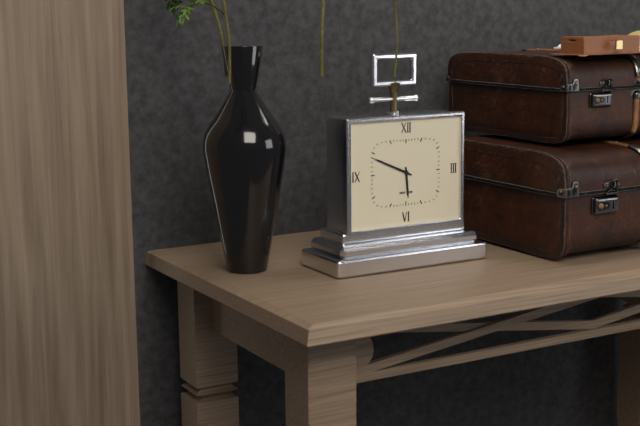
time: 5:49
